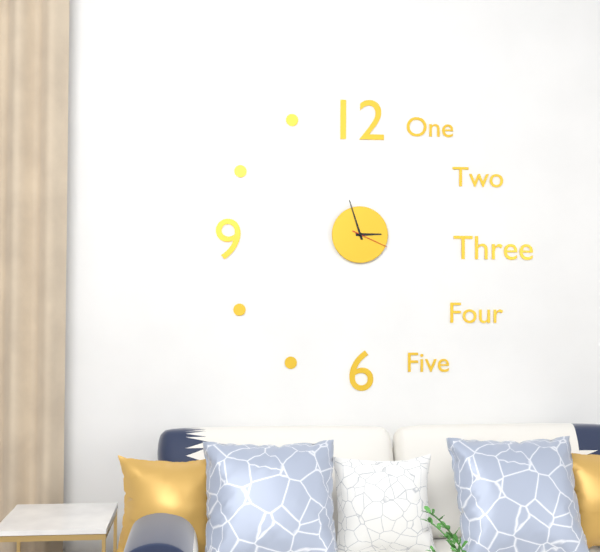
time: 2:57
